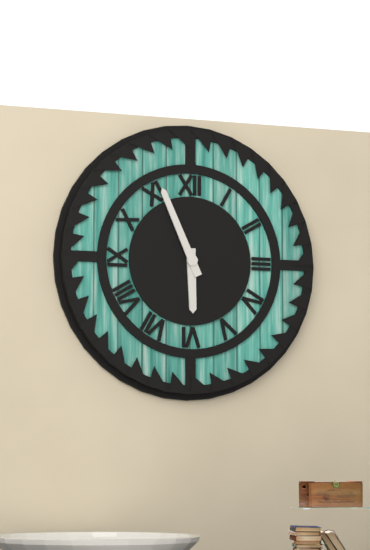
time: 5:56
